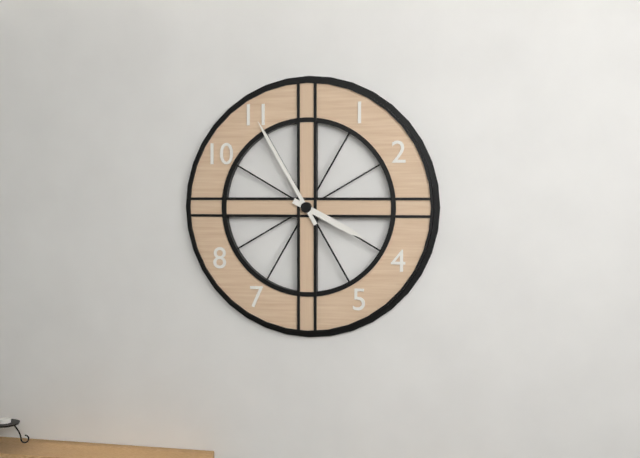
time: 3:55
